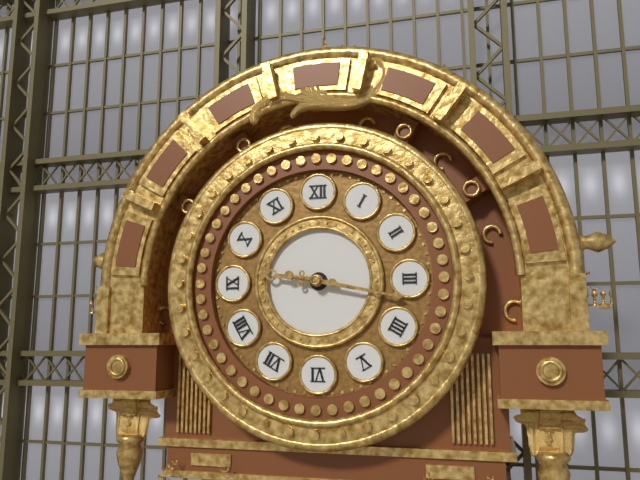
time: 9:17
